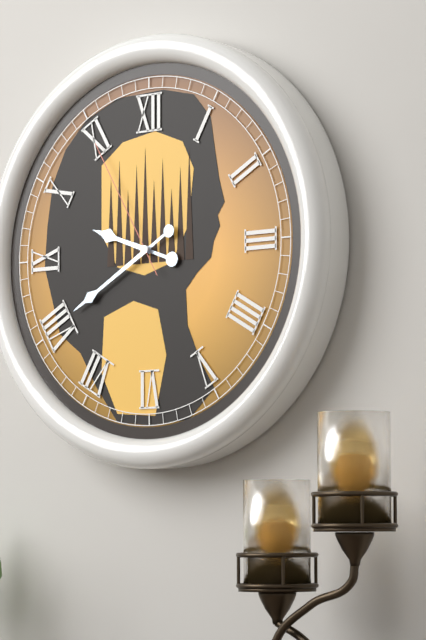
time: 9:40:55
